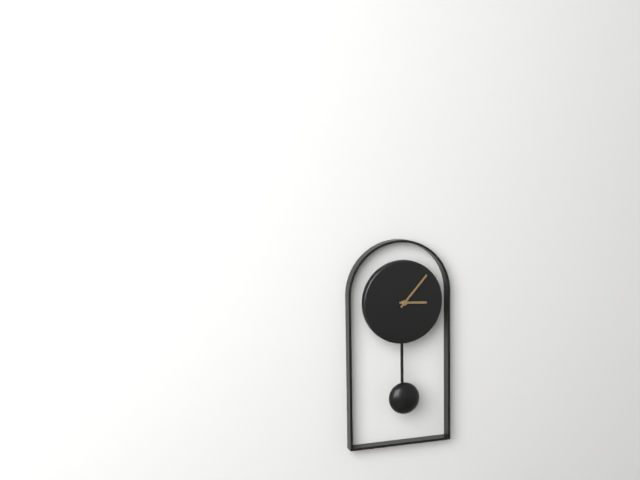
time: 3:07
